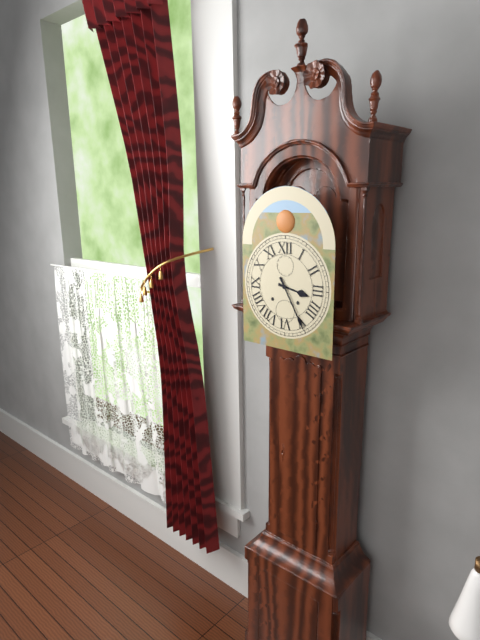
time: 3:25
